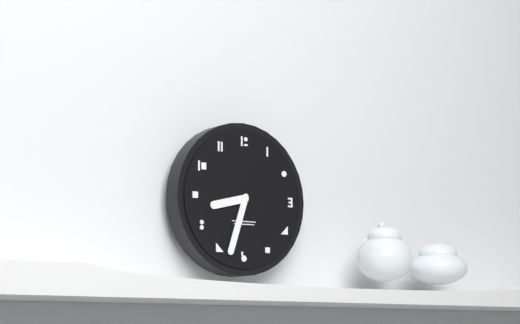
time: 8:33
